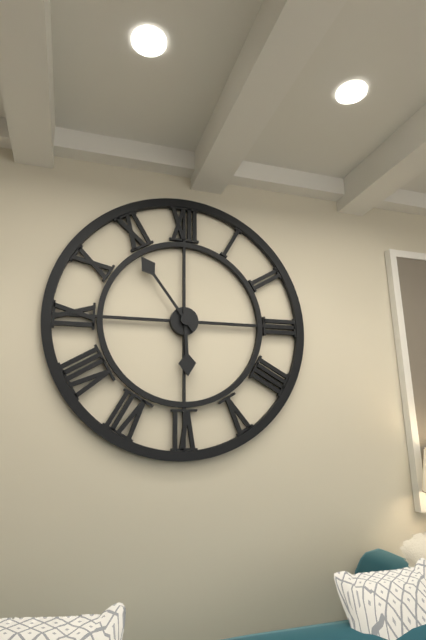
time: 5:54
